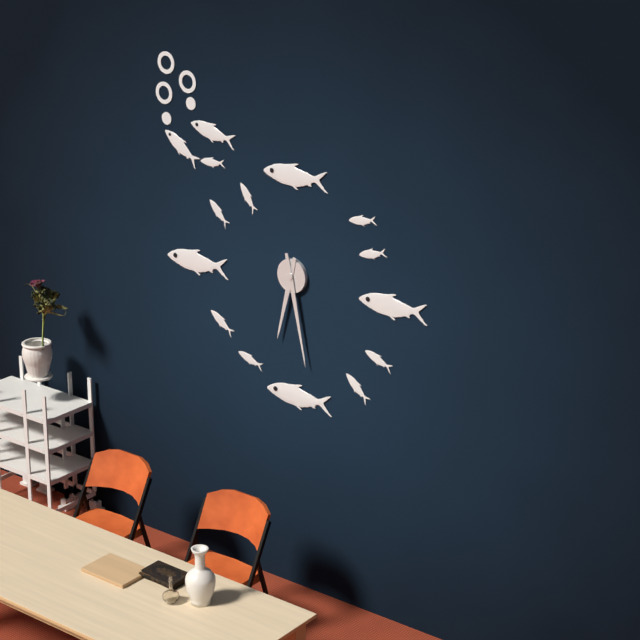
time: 6:28
